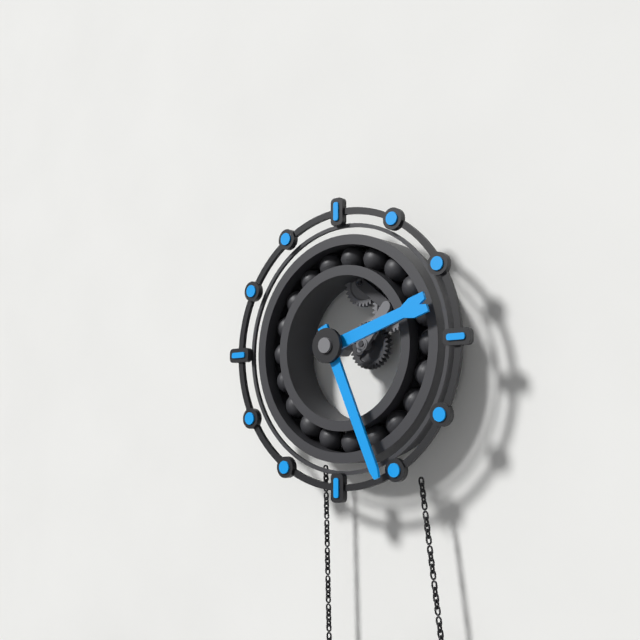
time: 2:26
